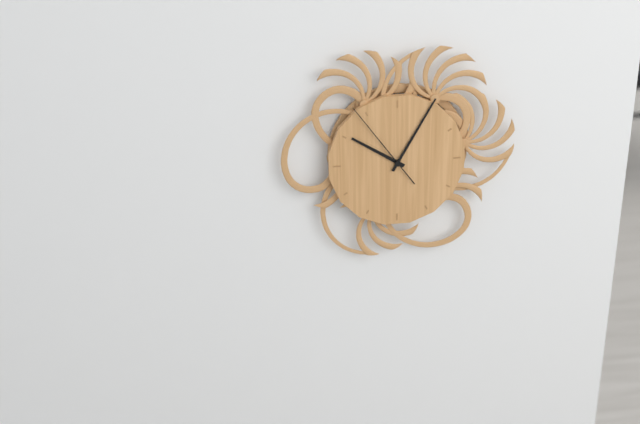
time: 10:05:54
